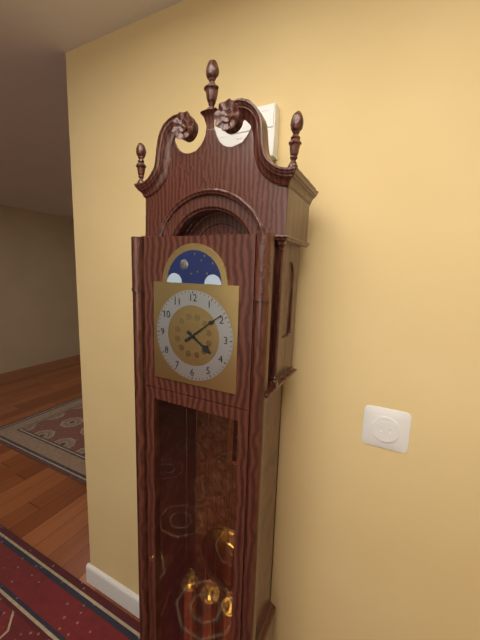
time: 4:09
